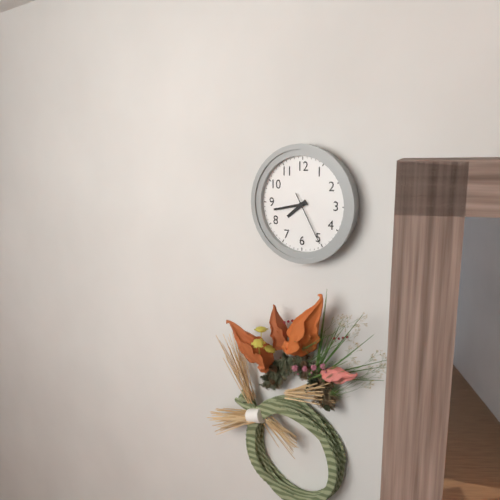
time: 7:43:25
